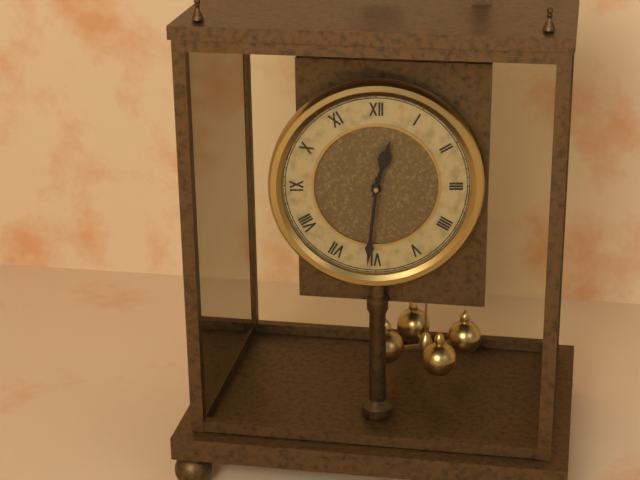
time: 12:31
